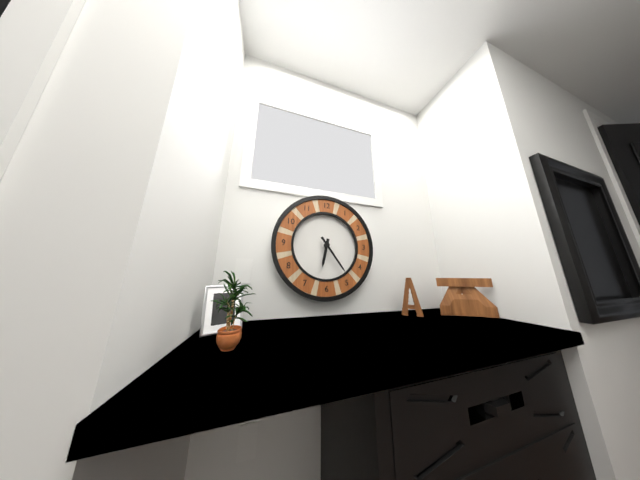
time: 6:24
